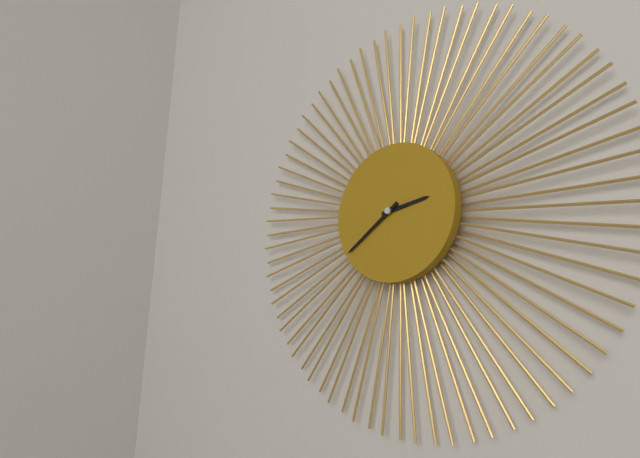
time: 2:39
